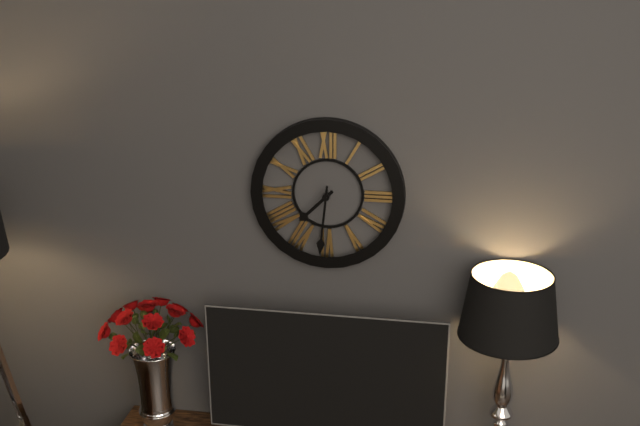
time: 7:31
